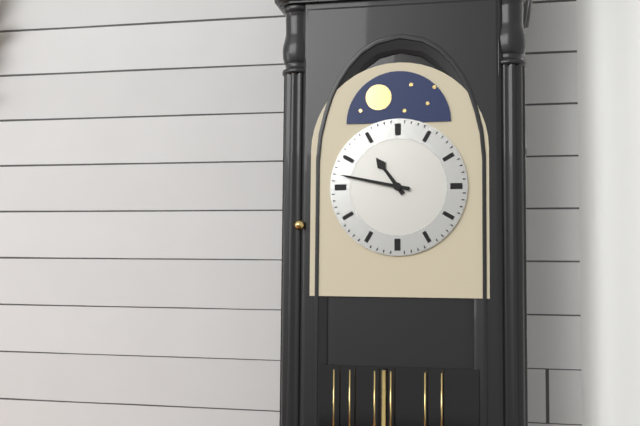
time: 10:47
